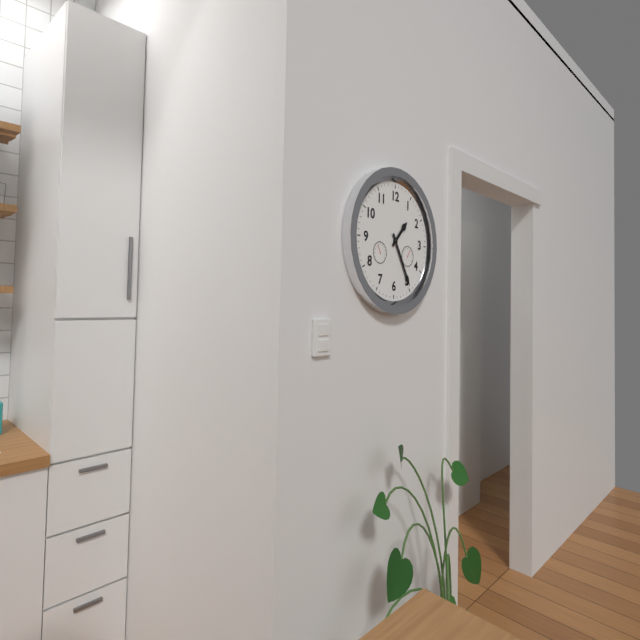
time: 1:25
